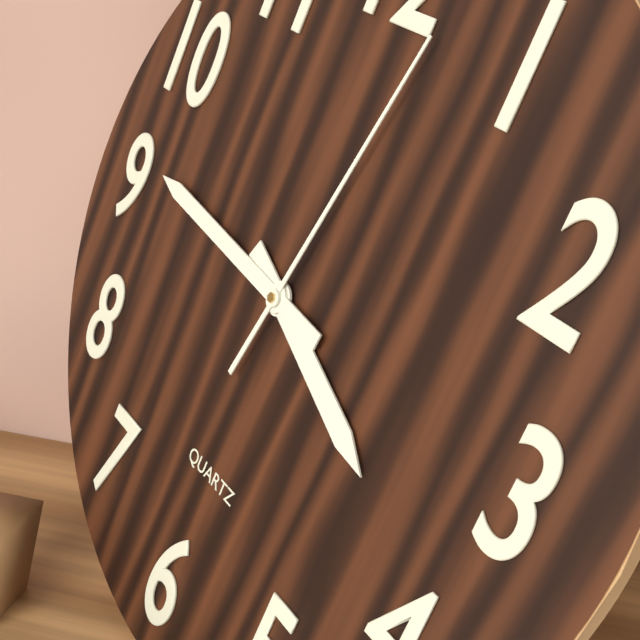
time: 3:46:02
